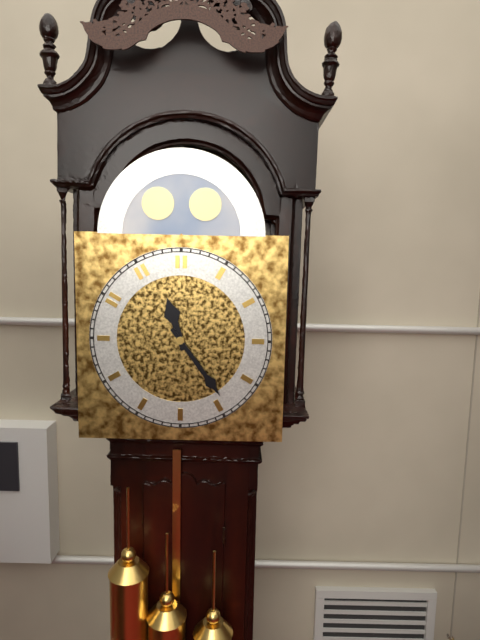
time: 11:24
